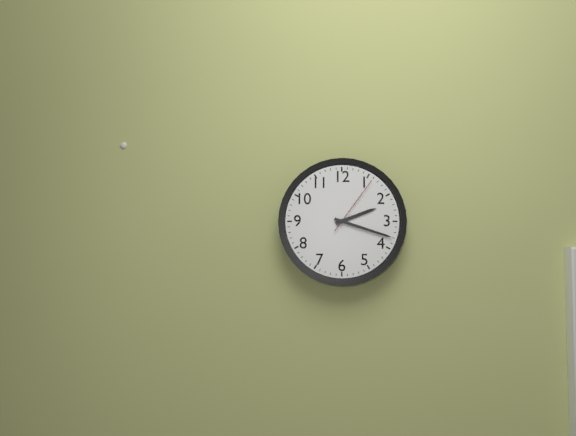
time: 2:18:06
